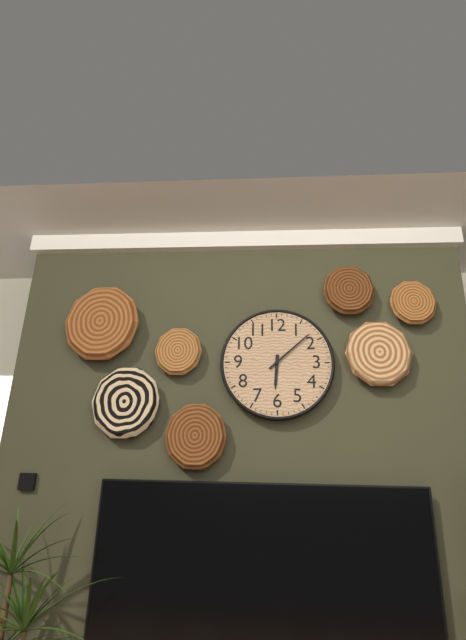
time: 6:08
